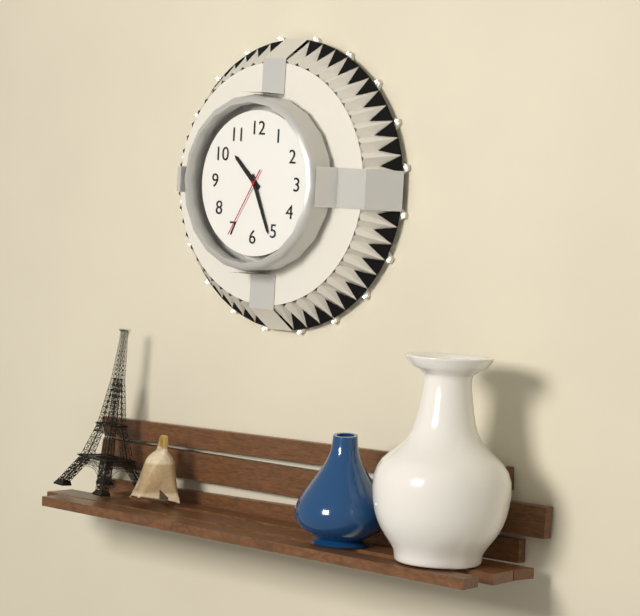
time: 10:26:35
